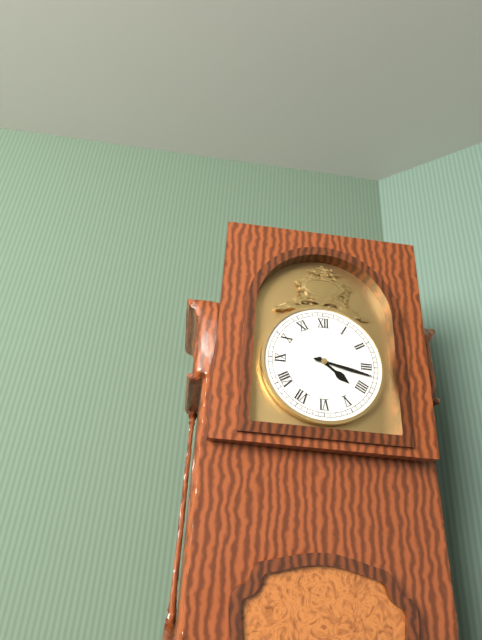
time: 4:17
